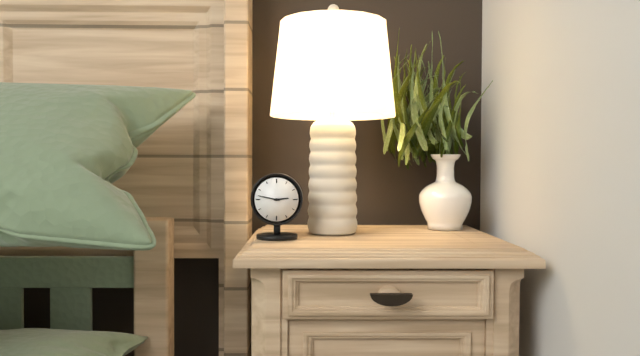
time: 2:47
